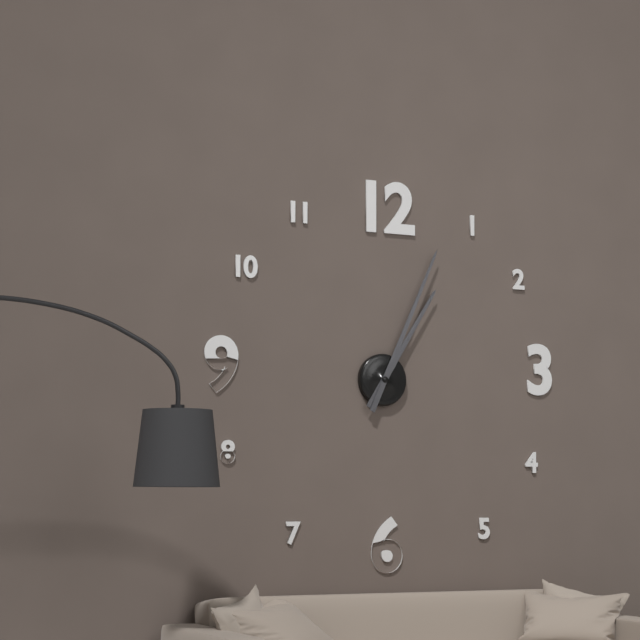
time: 1:04
